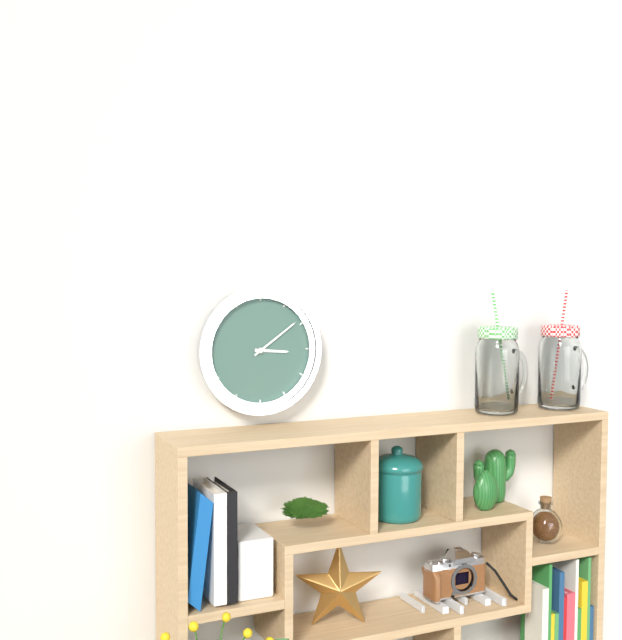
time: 3:09
